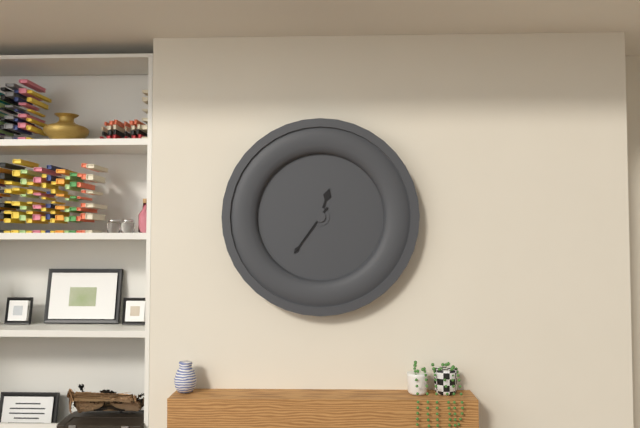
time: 12:36
